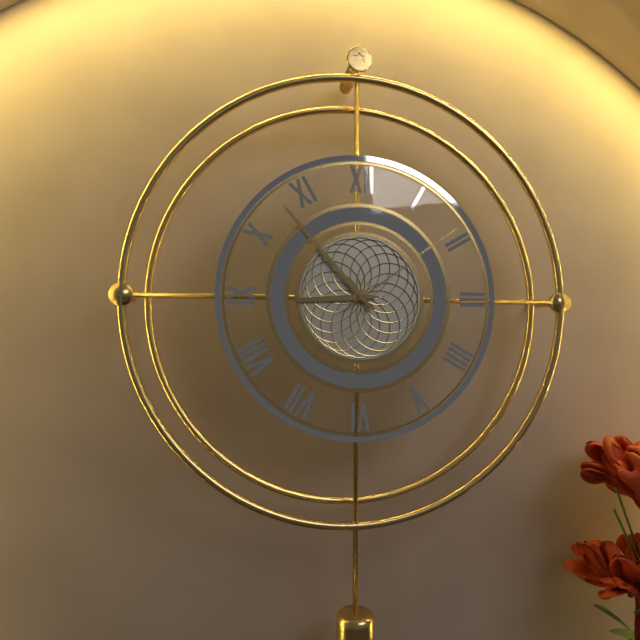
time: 8:53:09
